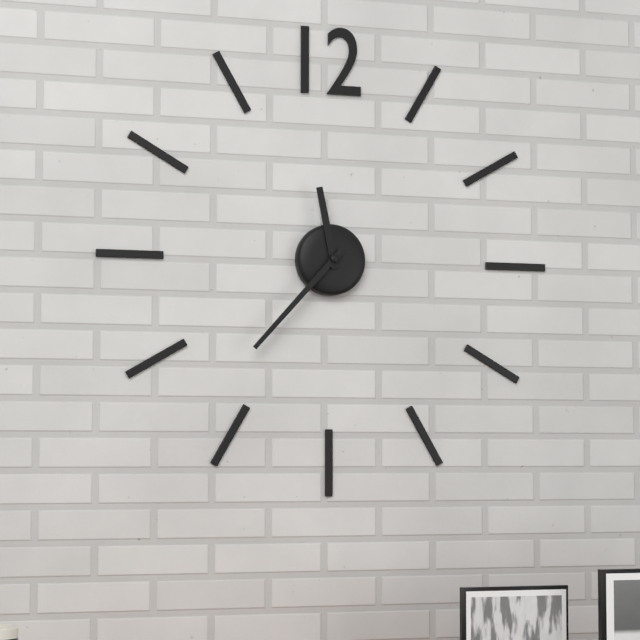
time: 11:37
